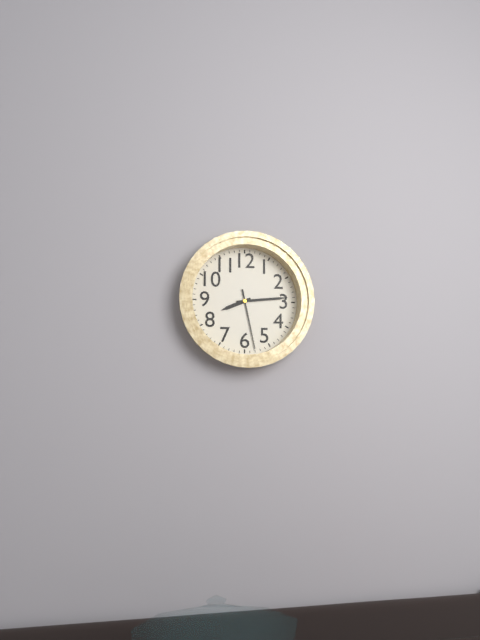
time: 8:14:28
